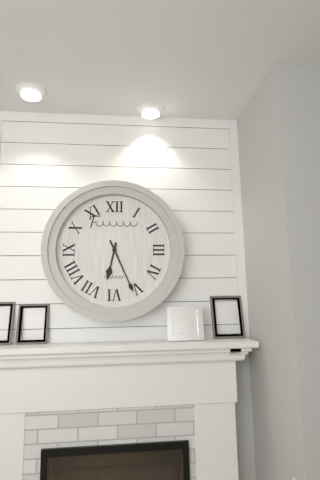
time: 6:26
